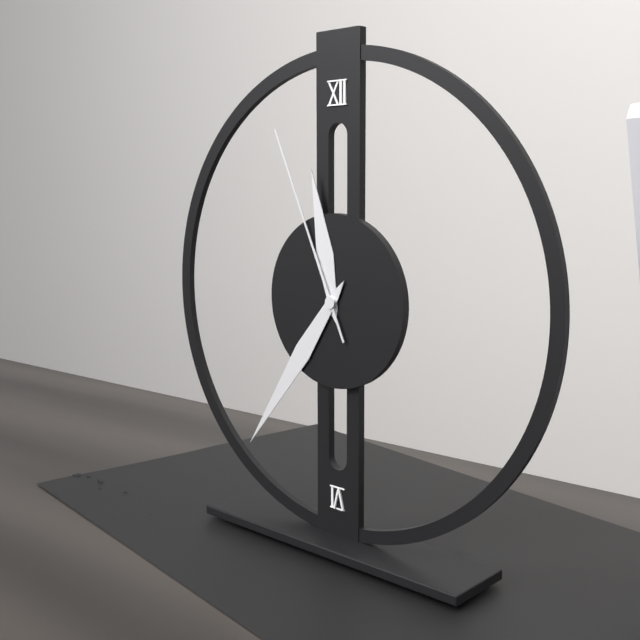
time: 11:36:56
